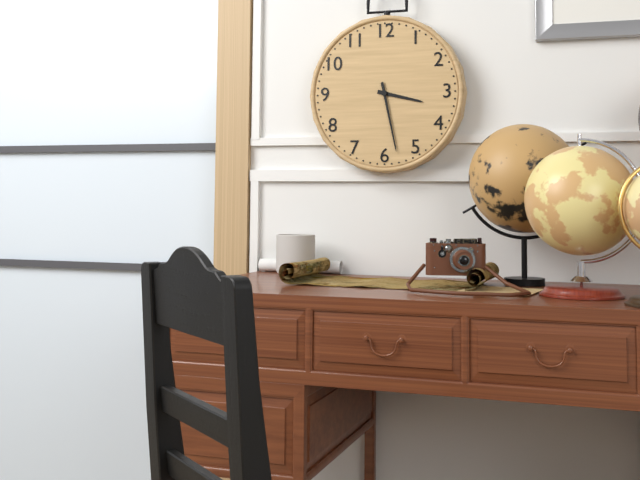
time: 3:28
